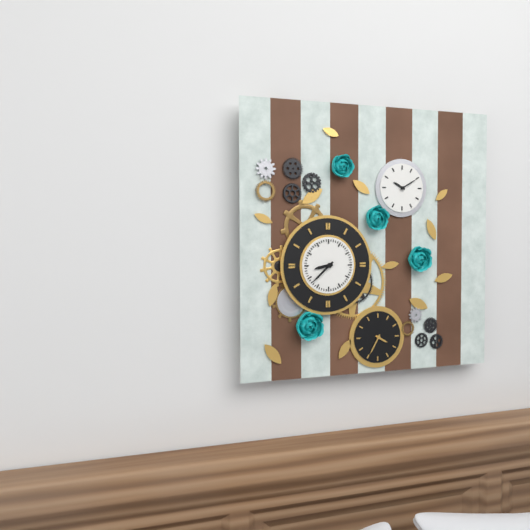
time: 8:38
